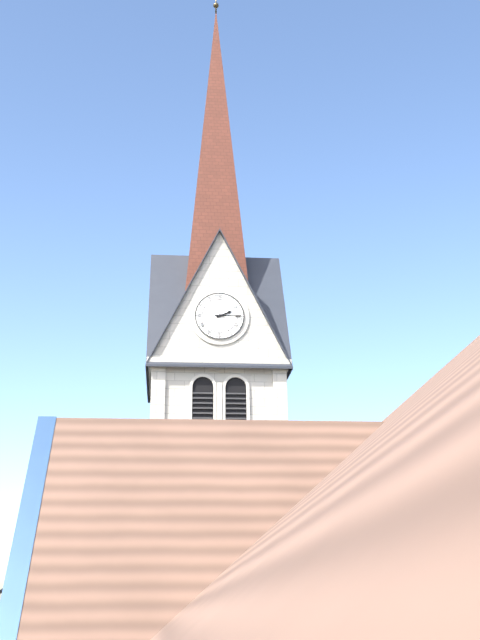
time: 2:15
